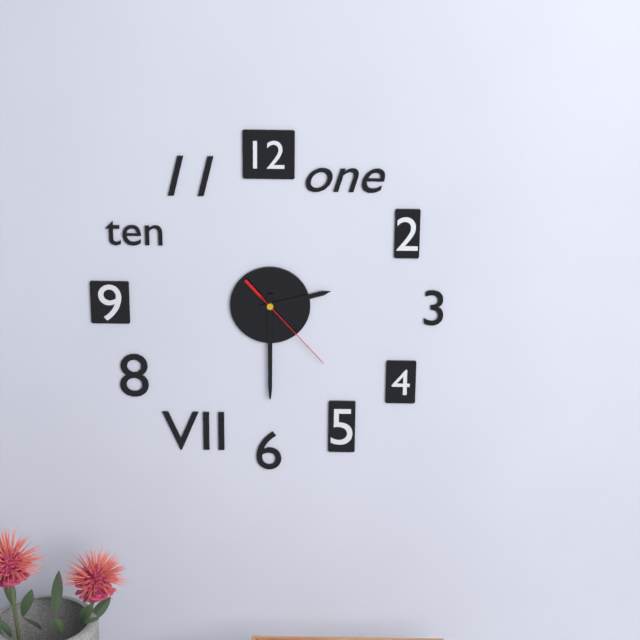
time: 2:30:23
